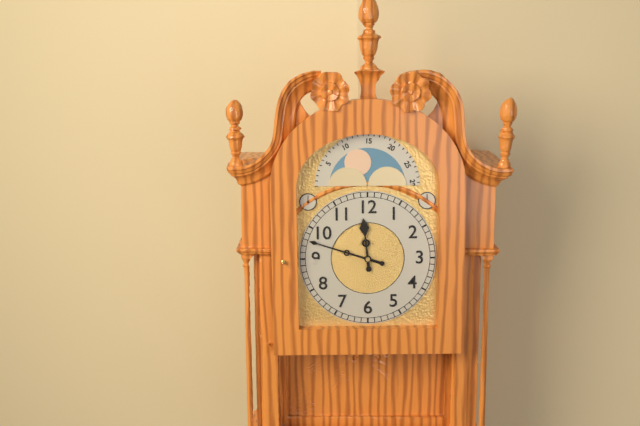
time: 11:48
